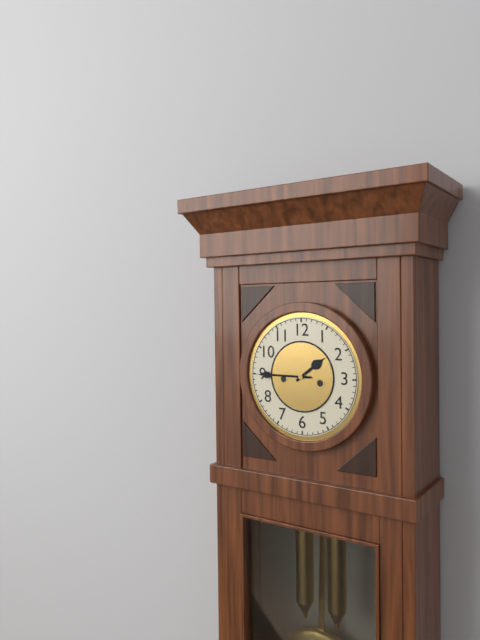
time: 1:45
